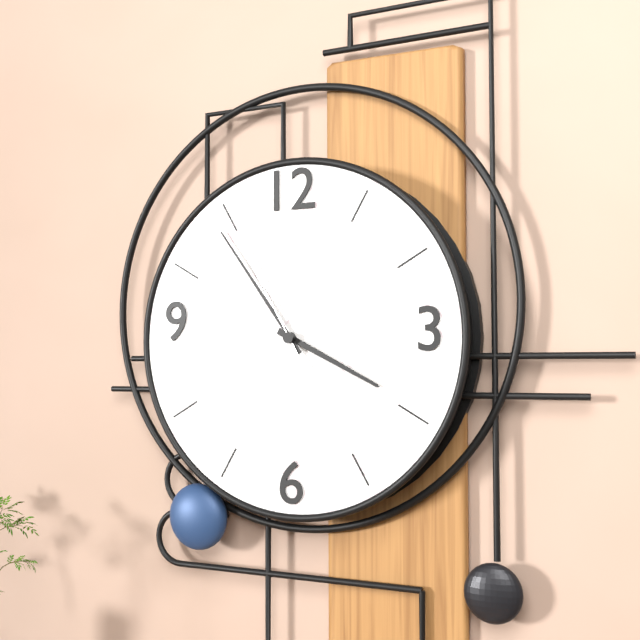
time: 3:54:55
